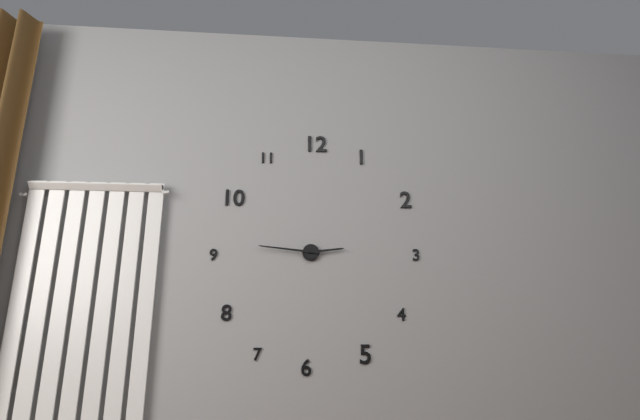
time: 2:46
